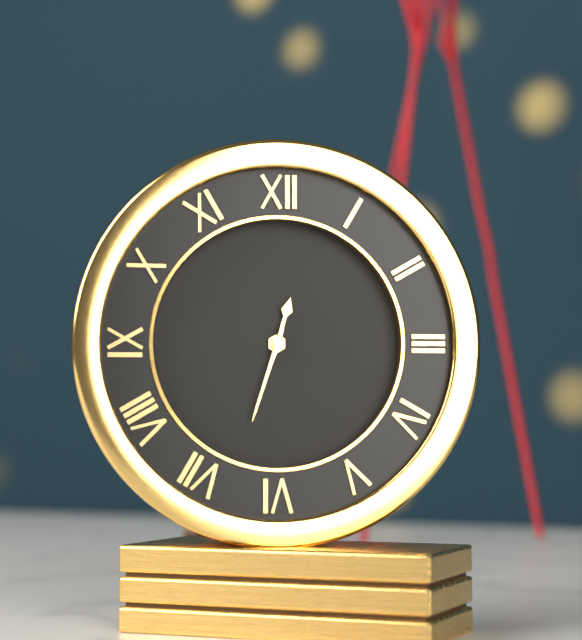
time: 12:33
